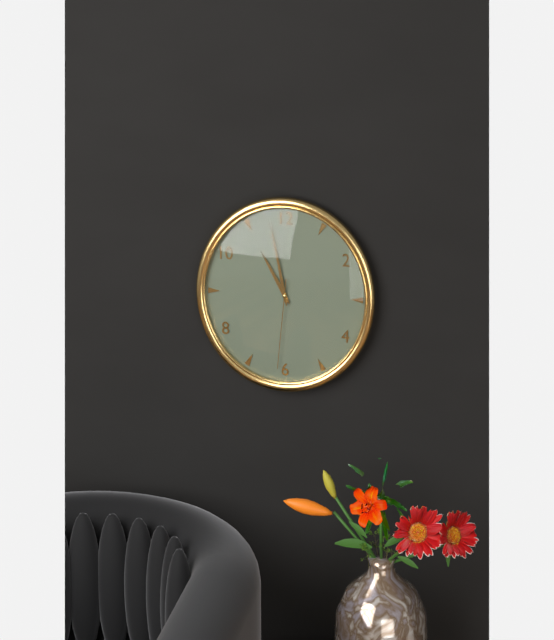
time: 10:58:31
